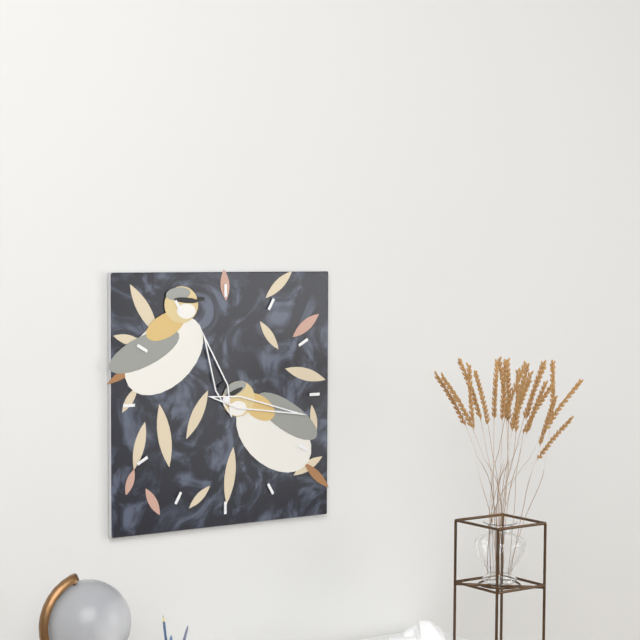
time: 11:17
